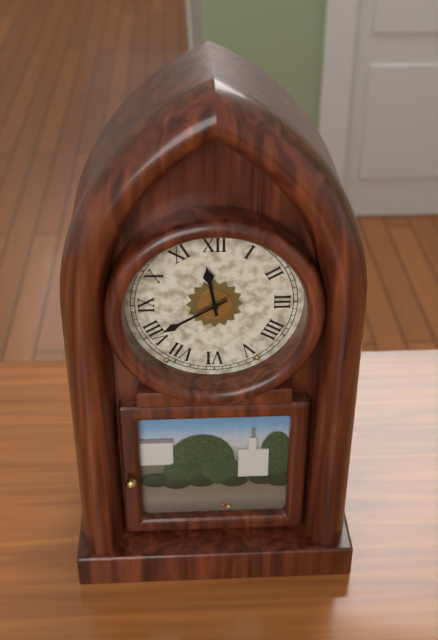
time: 11:40
